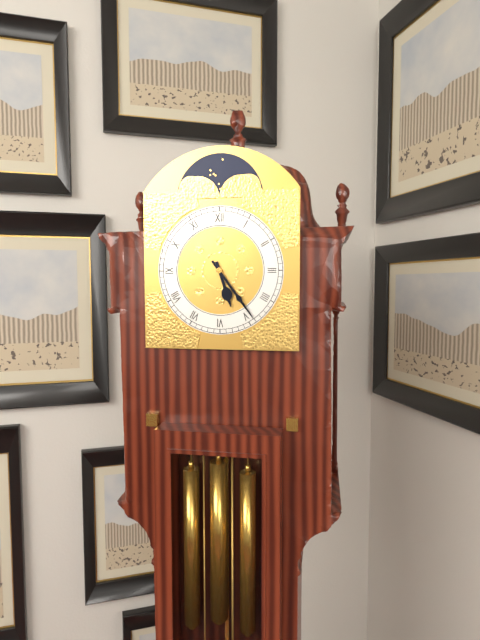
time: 5:24
